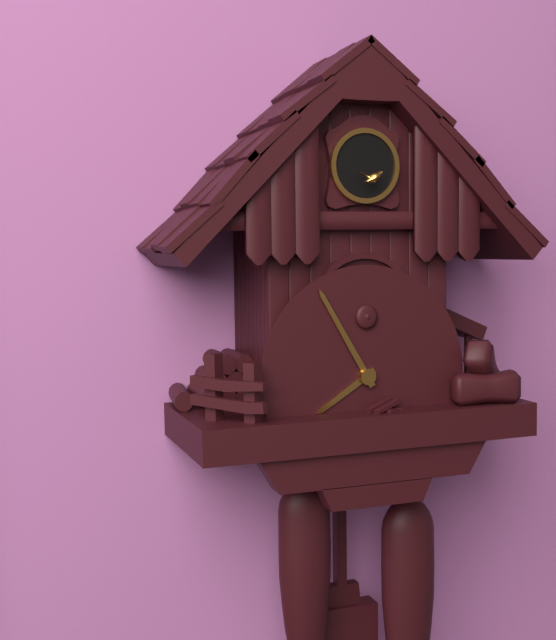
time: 7:55
